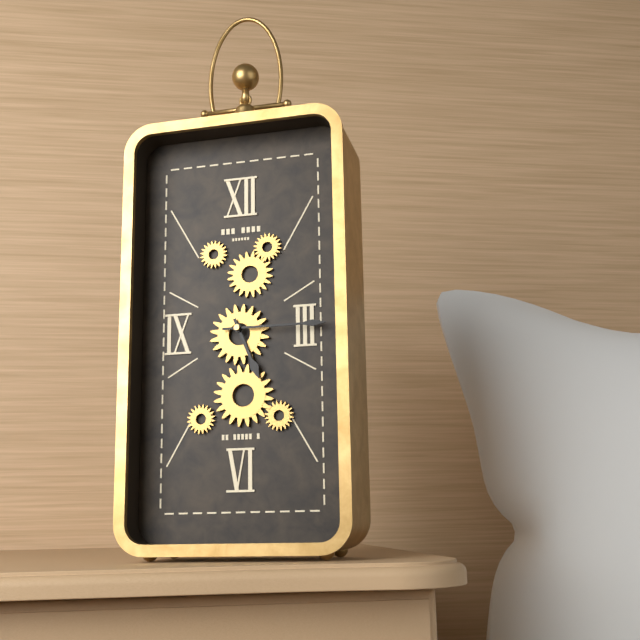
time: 5:15
